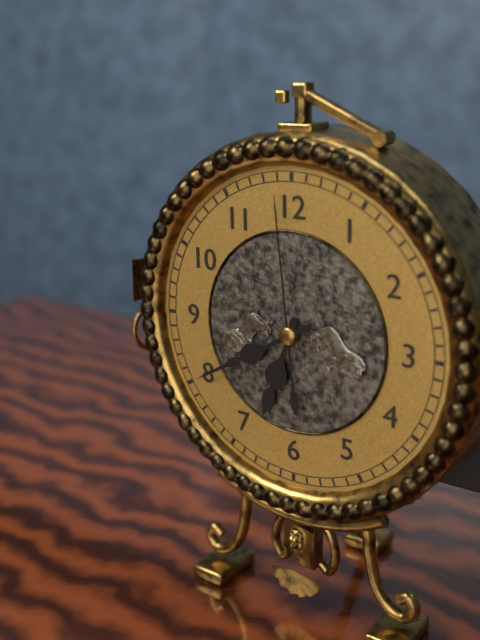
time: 6:40:59
